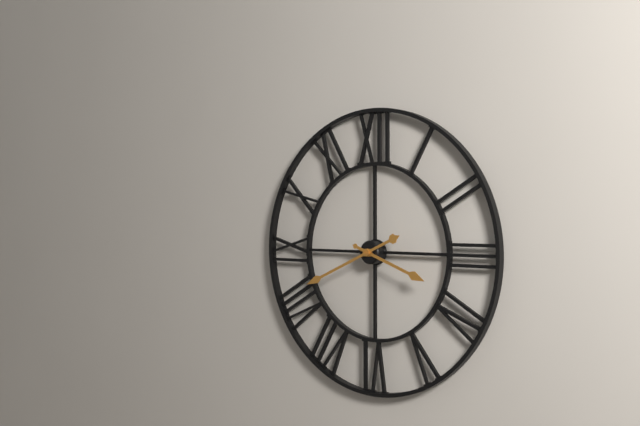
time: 3:41
